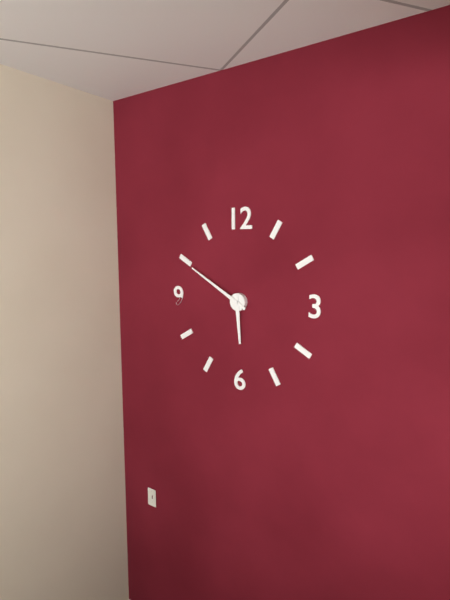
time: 5:50
